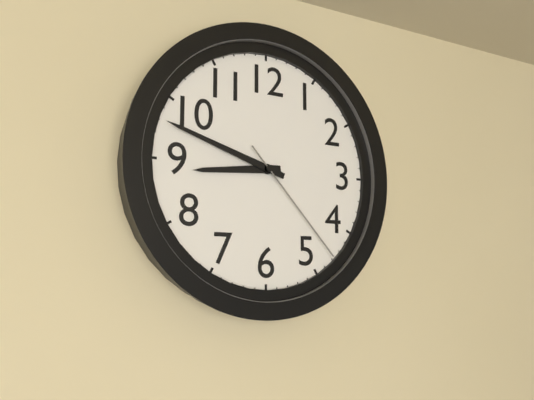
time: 8:48:23
